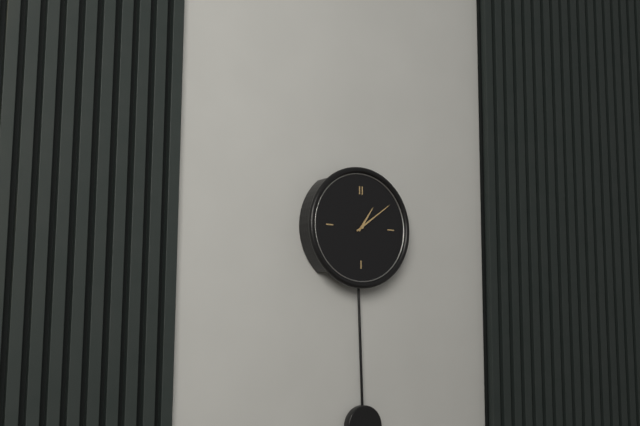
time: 1:09
